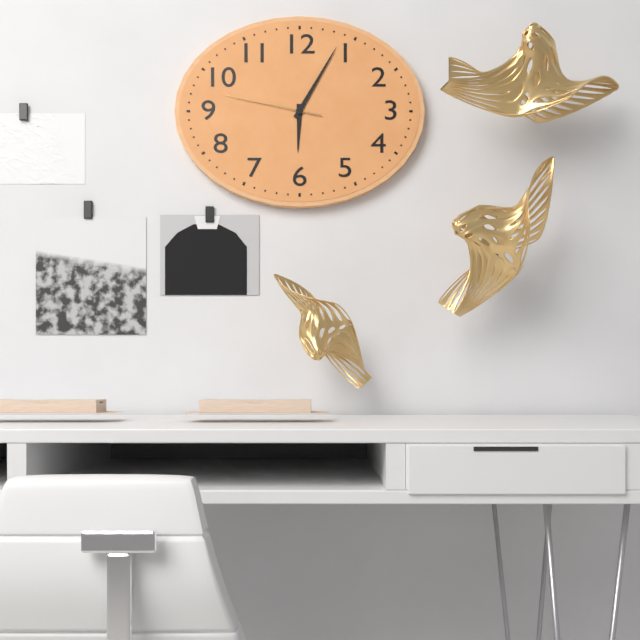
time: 6:05:47
